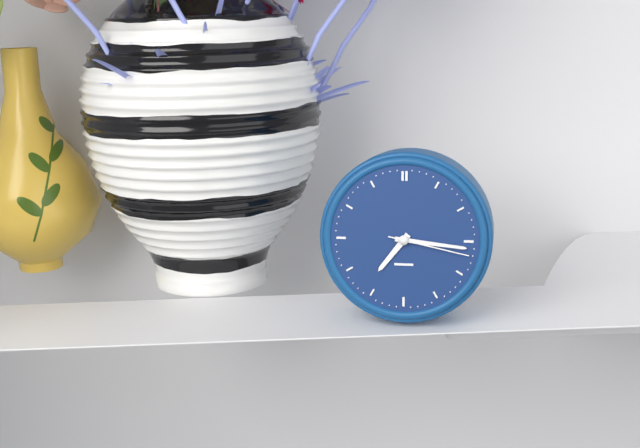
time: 7:16:17
